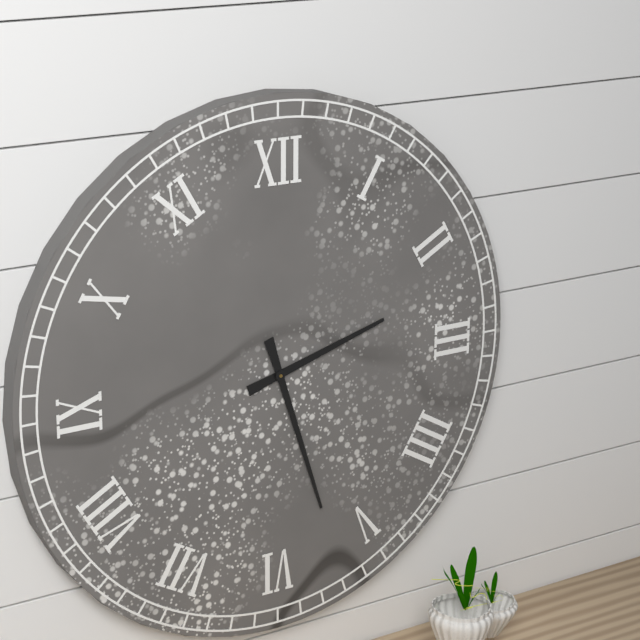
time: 2:27
